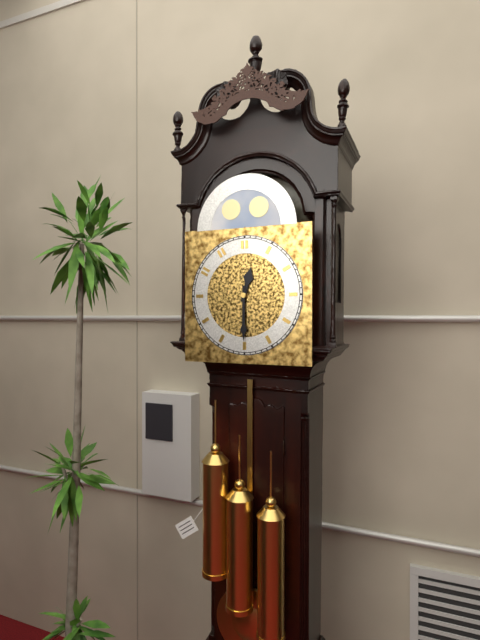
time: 12:30
